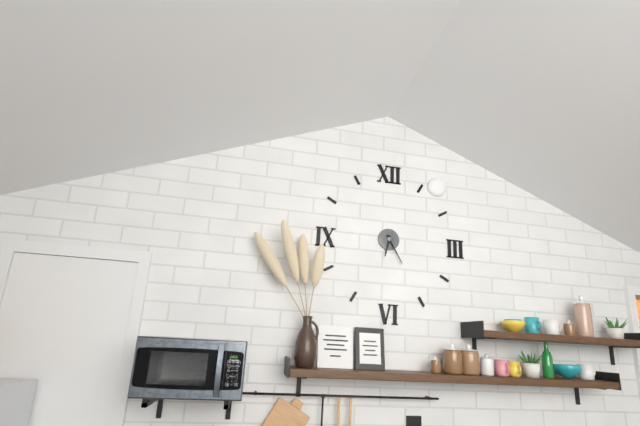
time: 6:25
